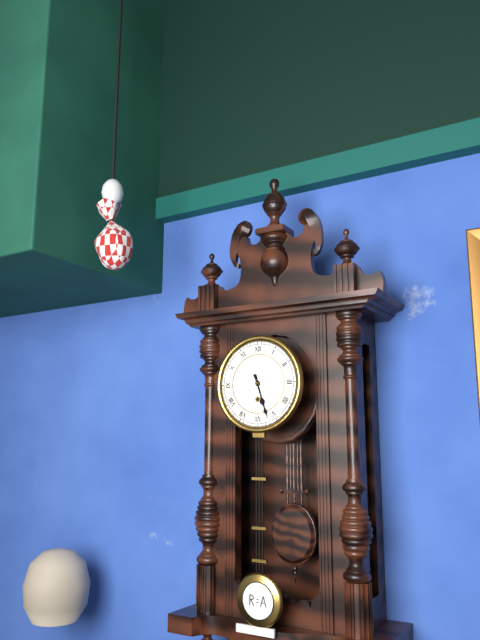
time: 5:27
